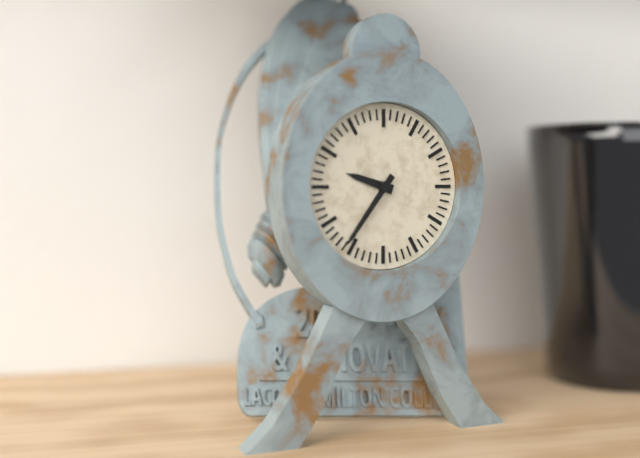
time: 9:36
